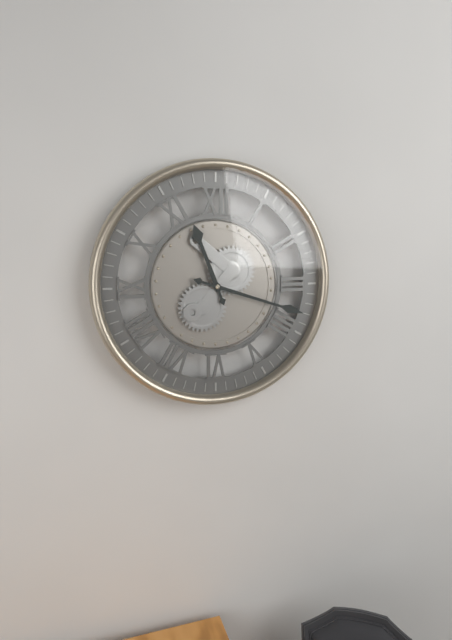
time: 11:18
